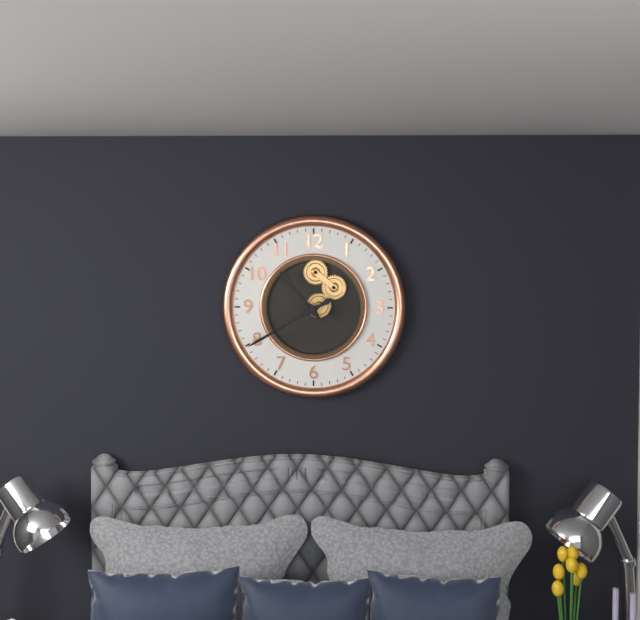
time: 10:40
